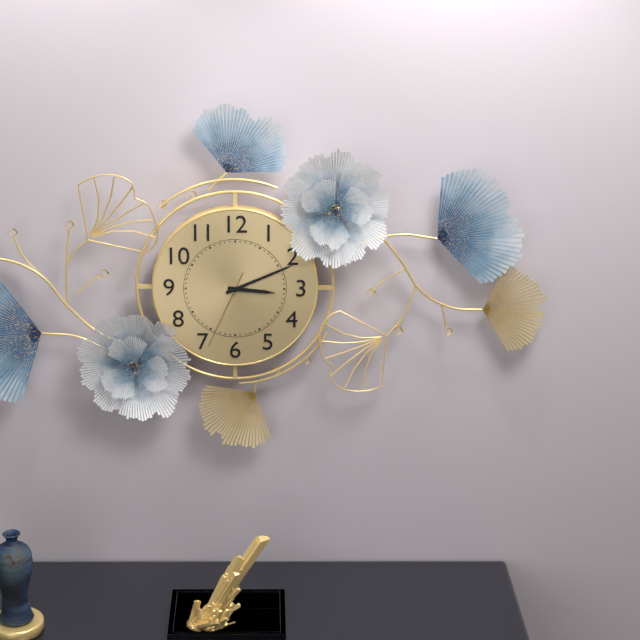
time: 3:11:34
